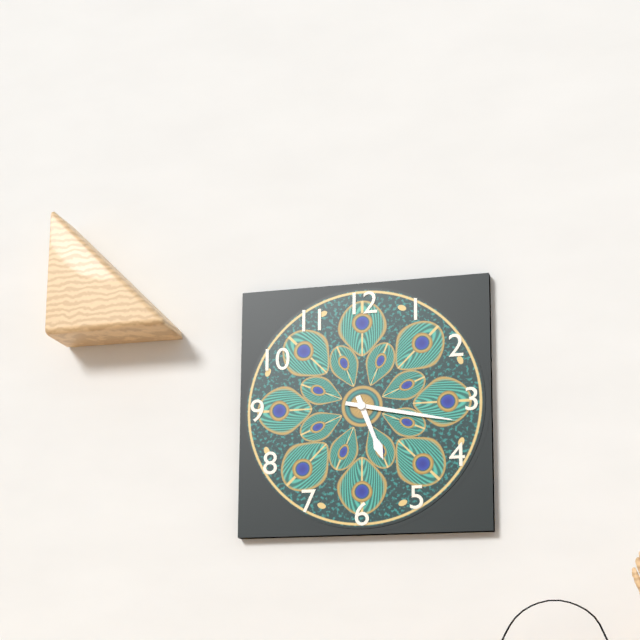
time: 5:17
